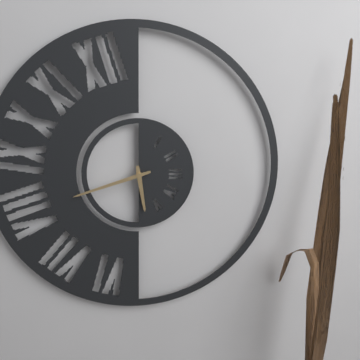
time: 5:42
